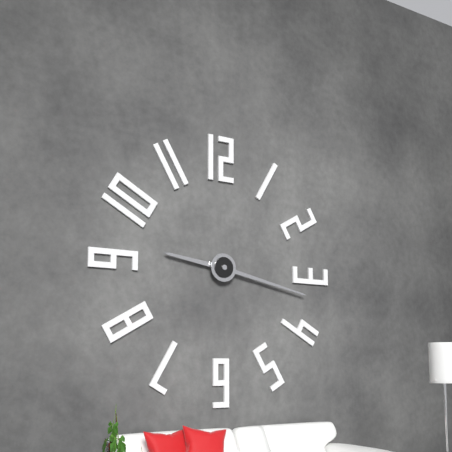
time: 9:17
